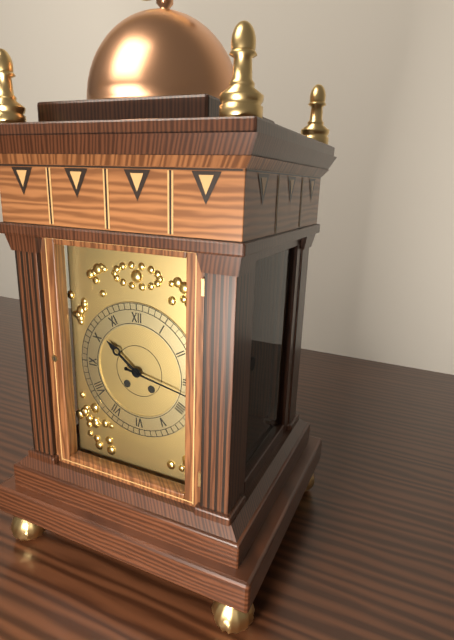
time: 10:17
